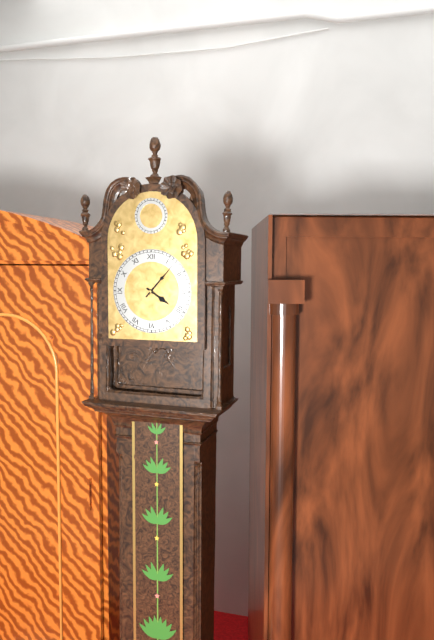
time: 4:07
